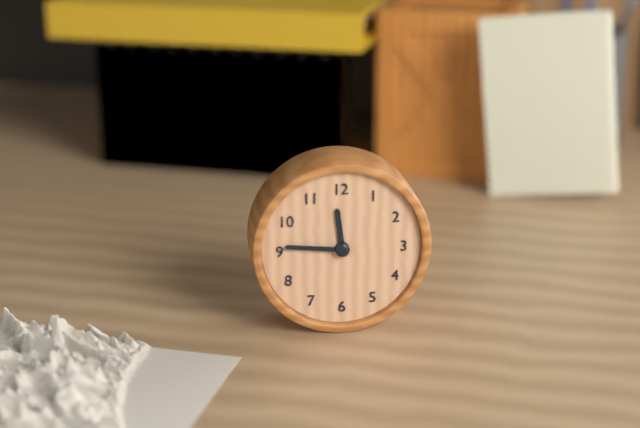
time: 11:46
